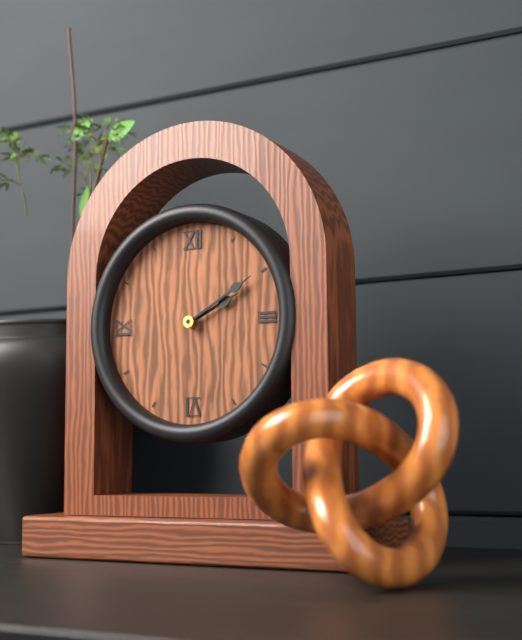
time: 2:10
